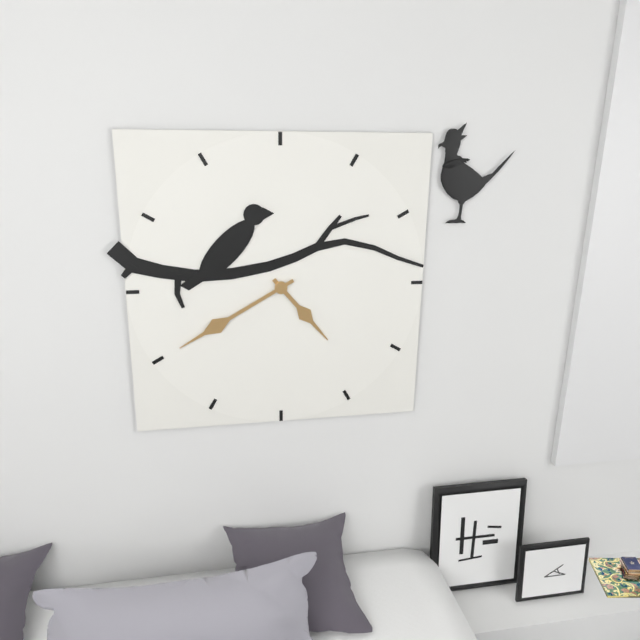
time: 4:40
